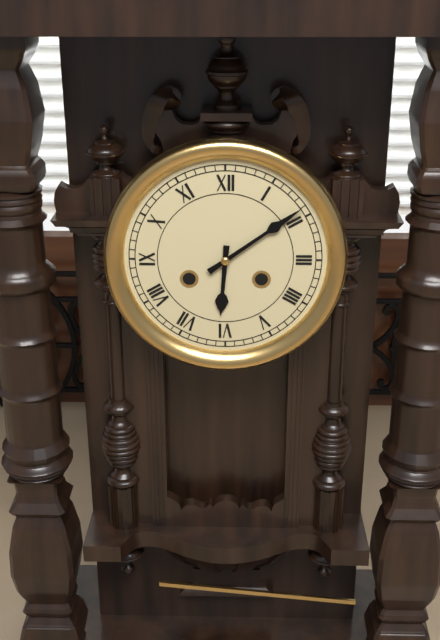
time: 6:09
